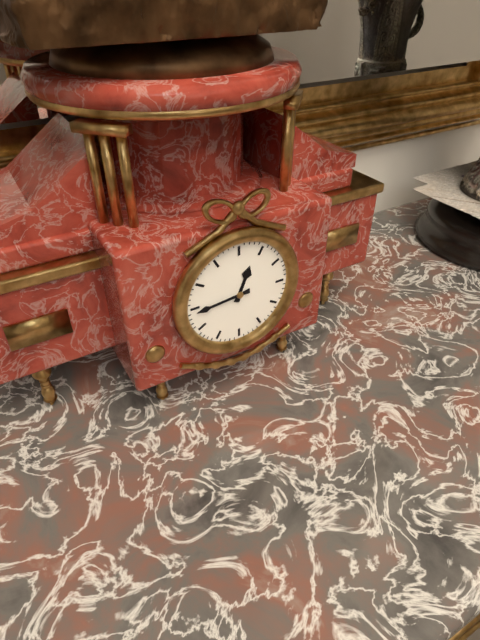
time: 12:44
